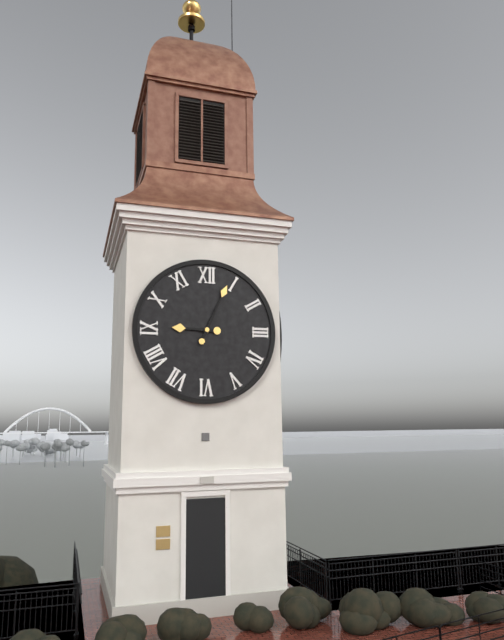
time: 9:04
